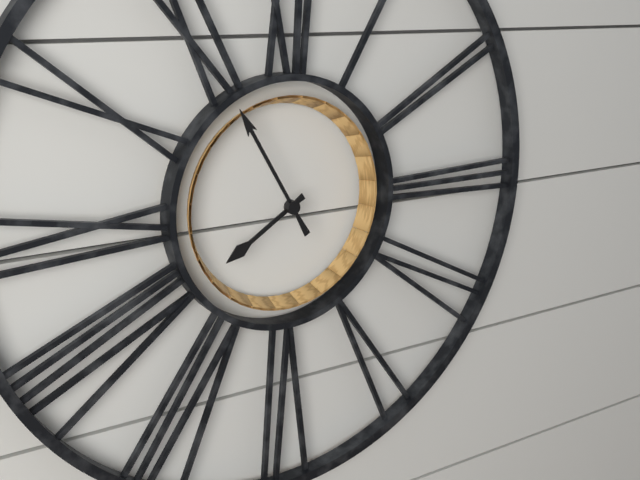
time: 7:55
